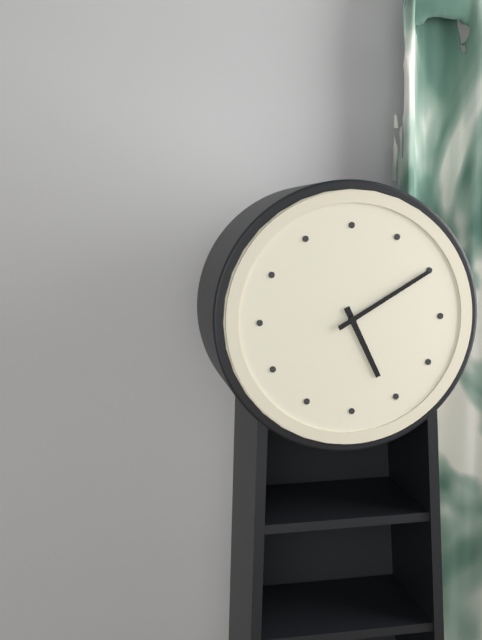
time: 5:10
